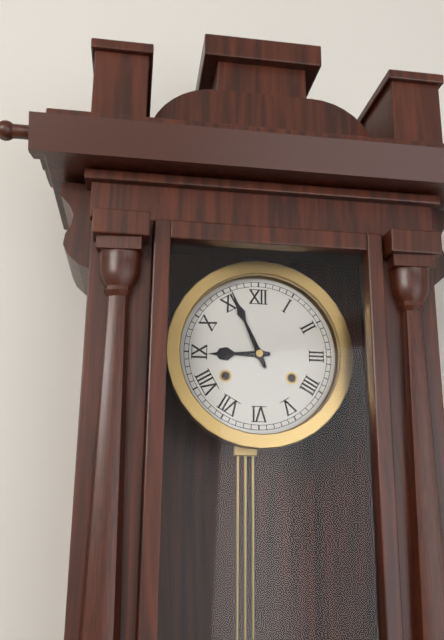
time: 8:56
